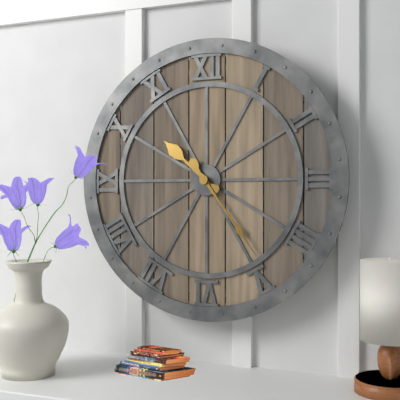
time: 10:24
